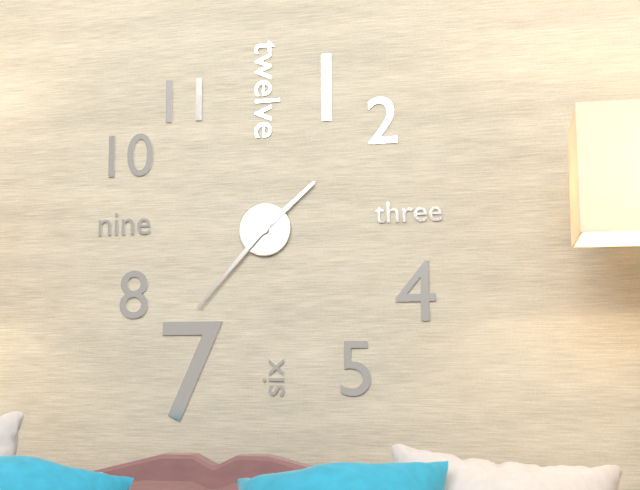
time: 1:37
